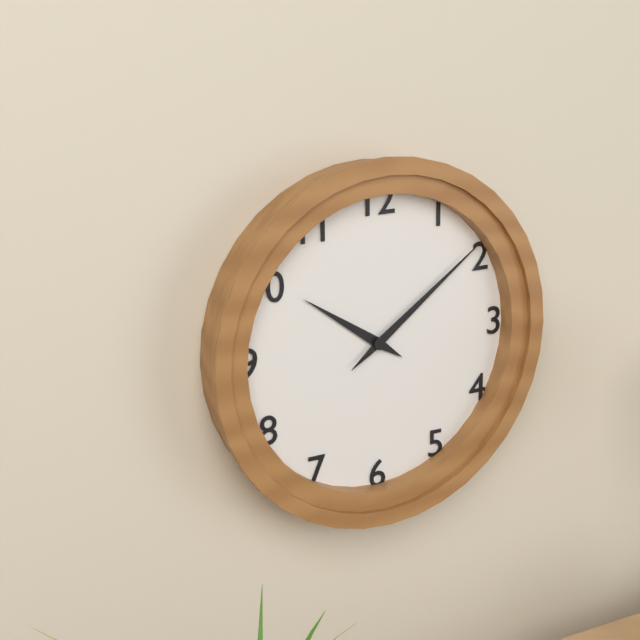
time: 10:09
